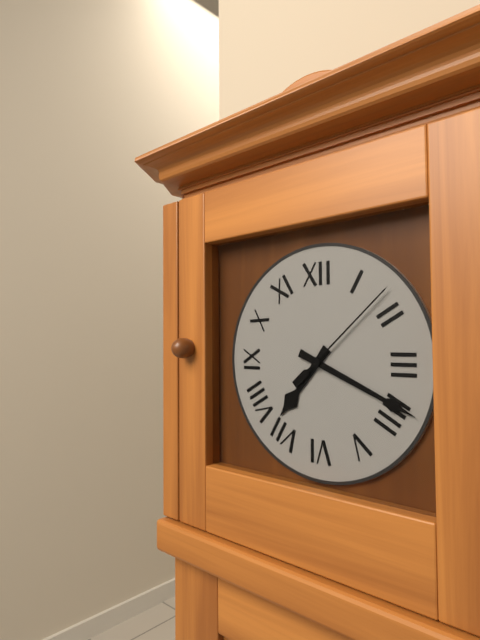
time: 7:19:08
